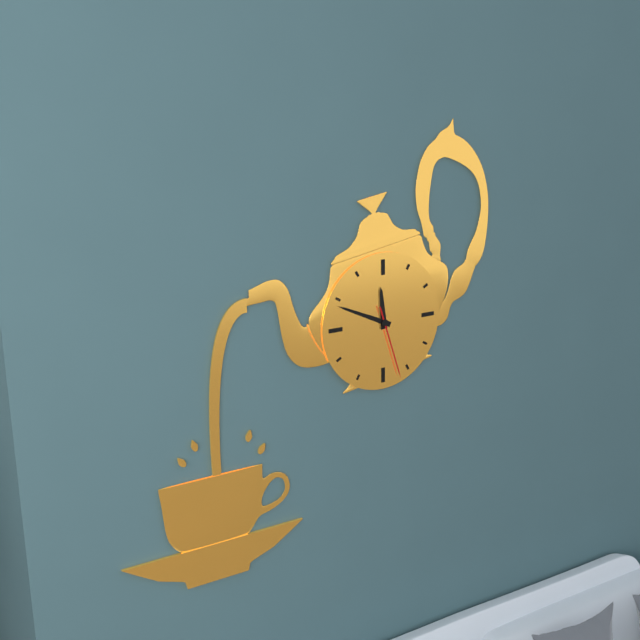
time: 11:49:27
